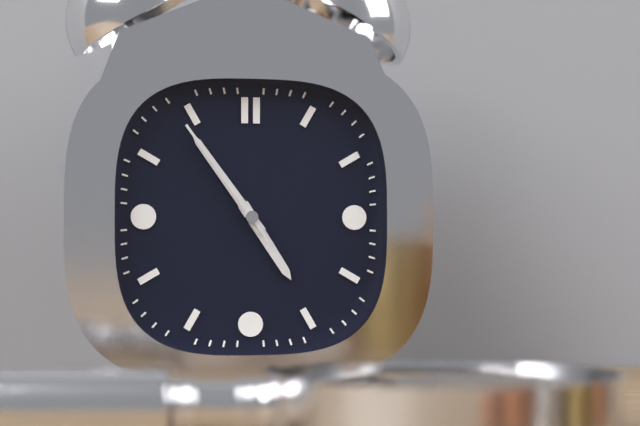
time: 4:54:54
